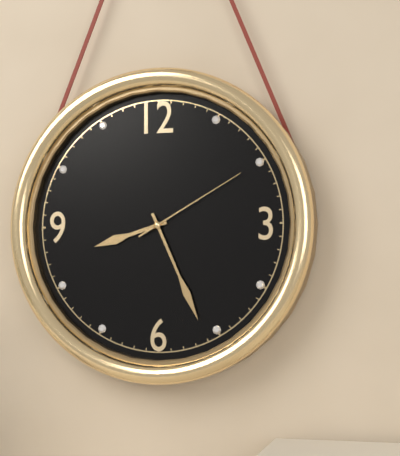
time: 8:26:10
